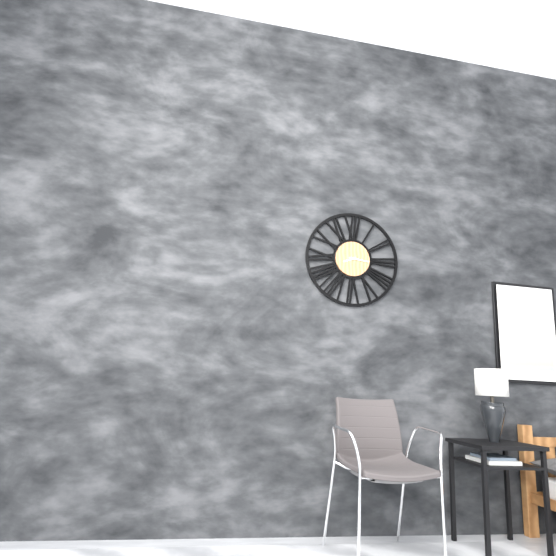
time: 8:16
